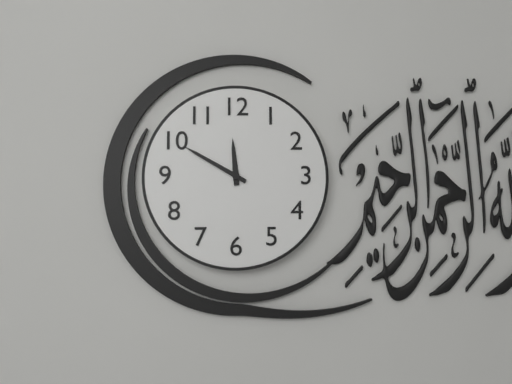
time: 11:50
